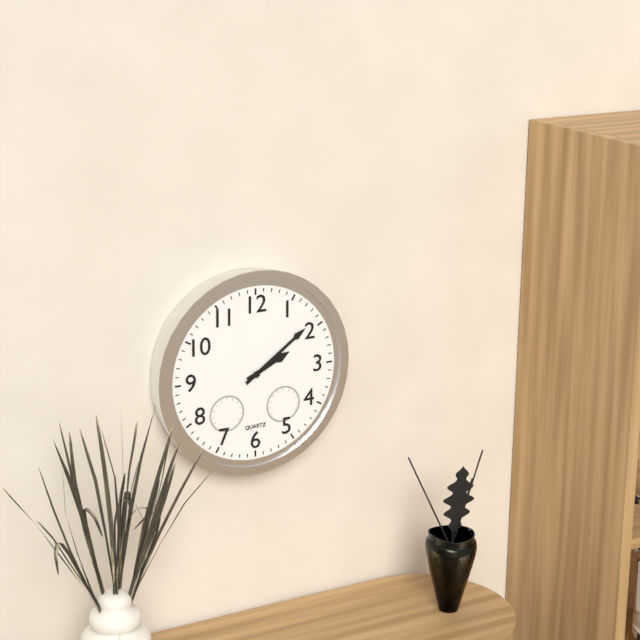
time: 2:09
